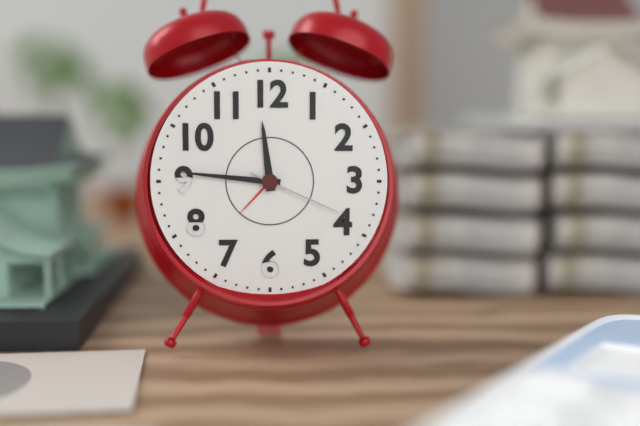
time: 11:46:19
